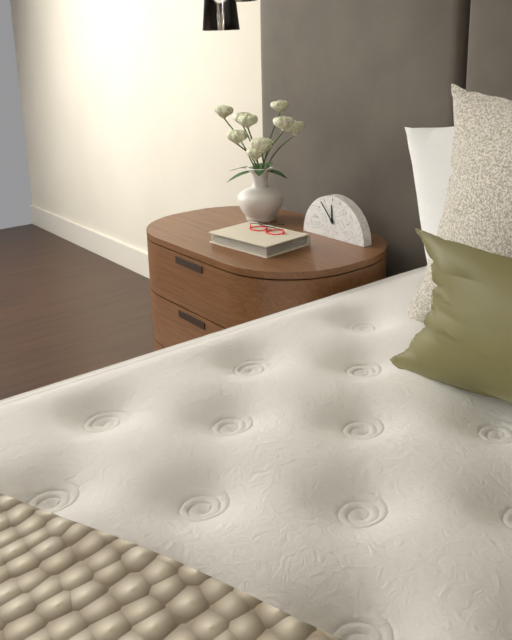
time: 11:53
